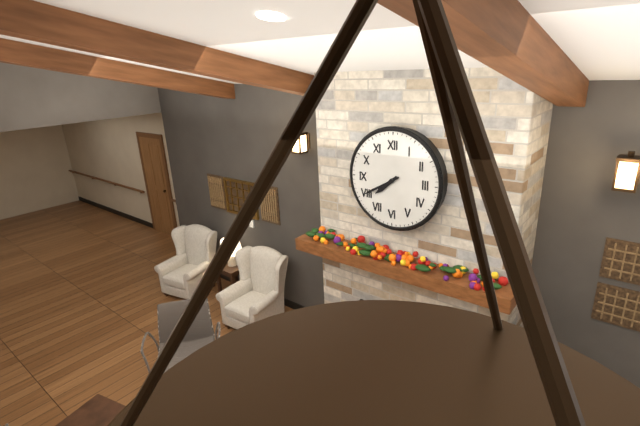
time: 7:40
